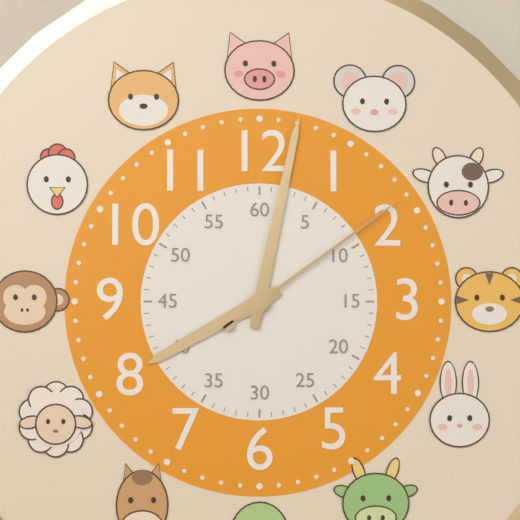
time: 8:02:09
